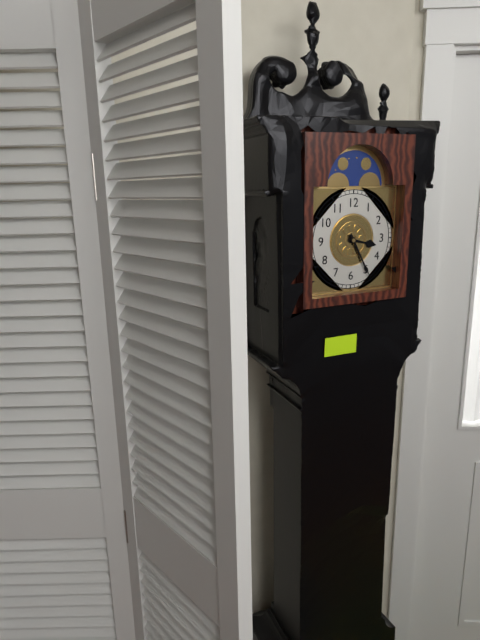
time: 3:25
